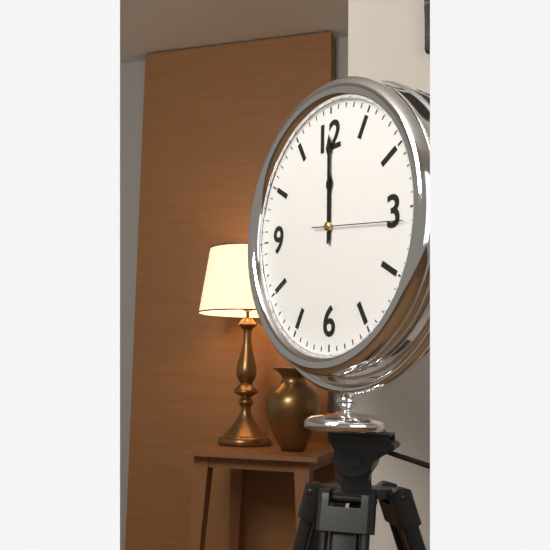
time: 12:00:16
